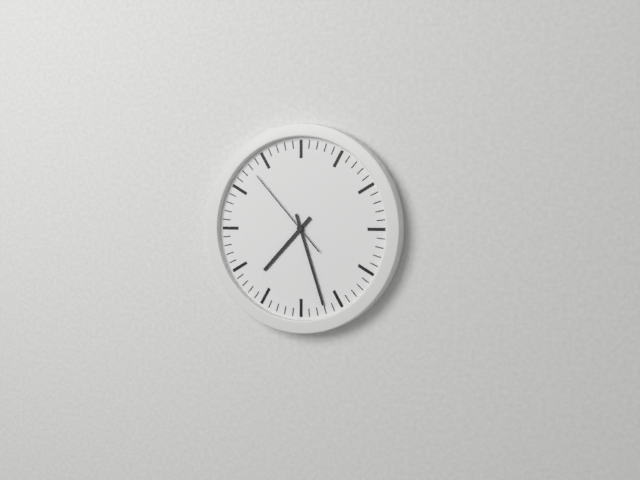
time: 7:27:53
